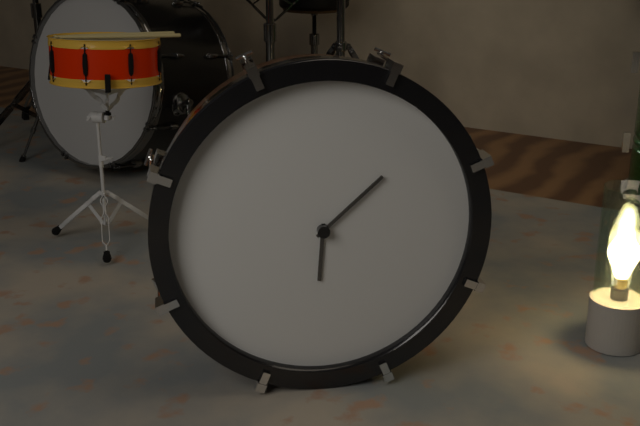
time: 6:08
